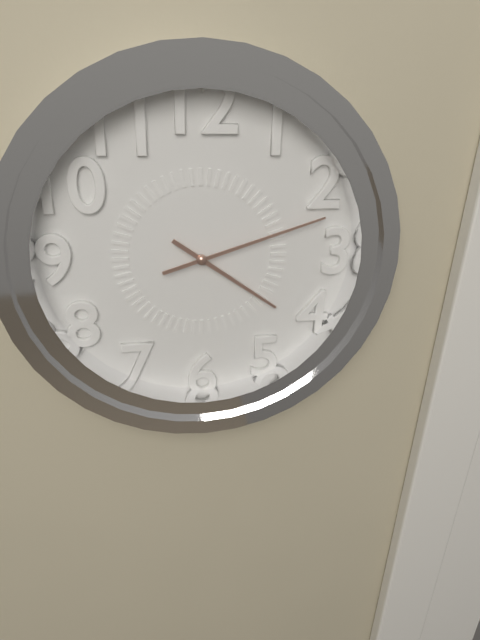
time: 4:12
